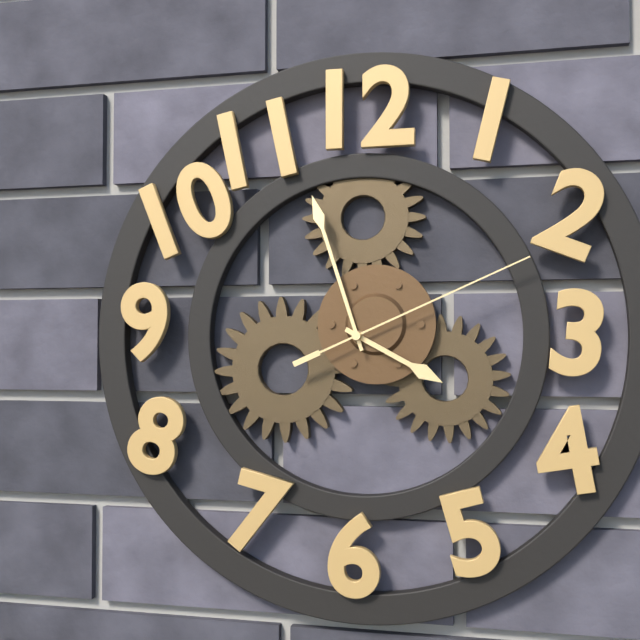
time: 3:57:11
